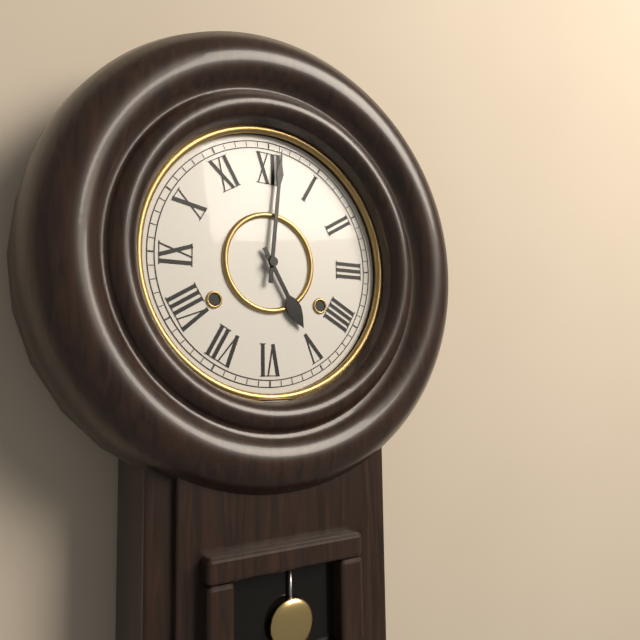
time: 5:01
